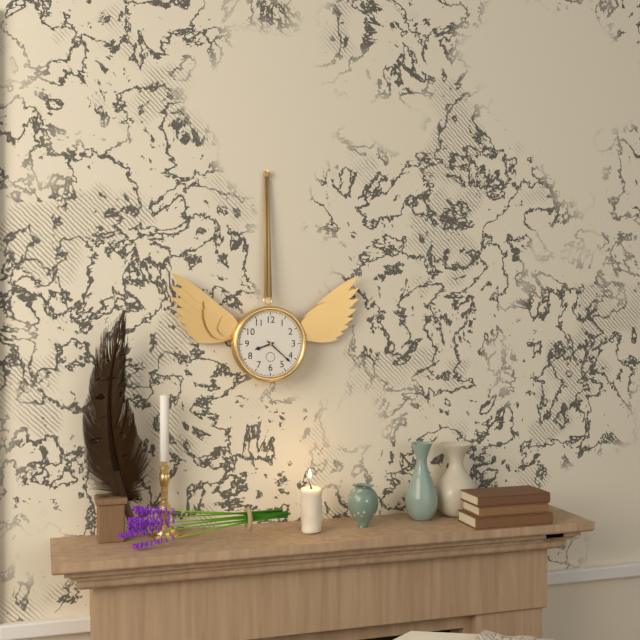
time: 8:22
